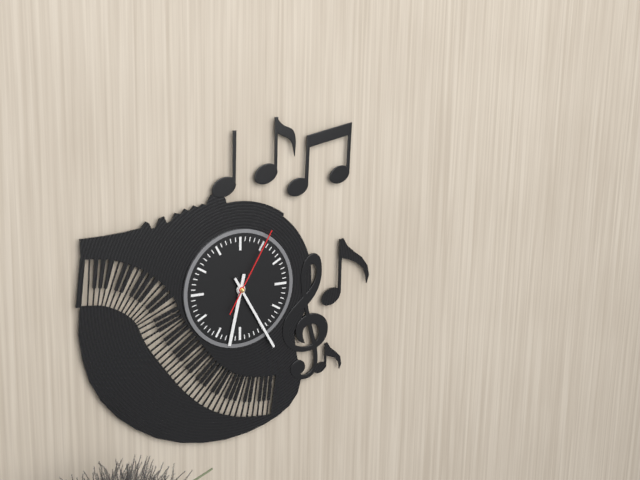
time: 6:25:05
